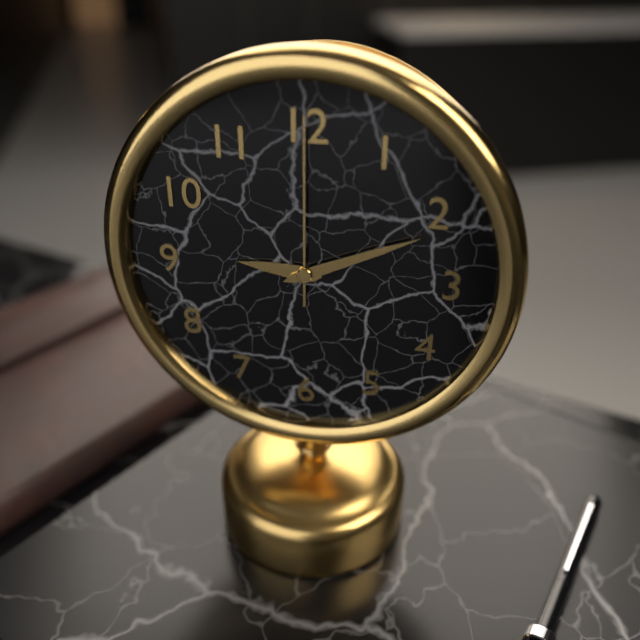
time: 9:11:00
